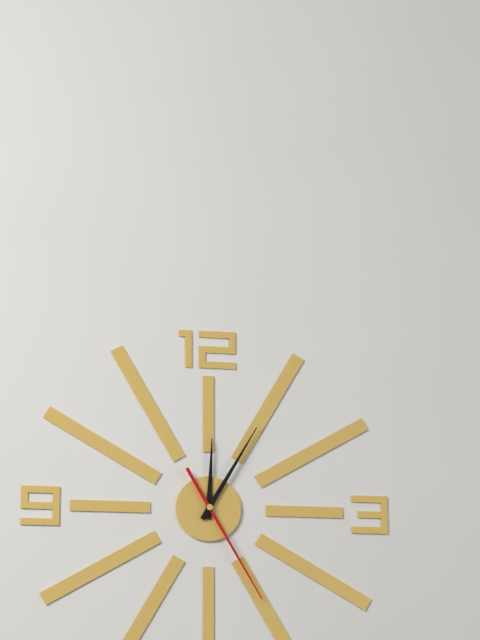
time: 12:05:25
